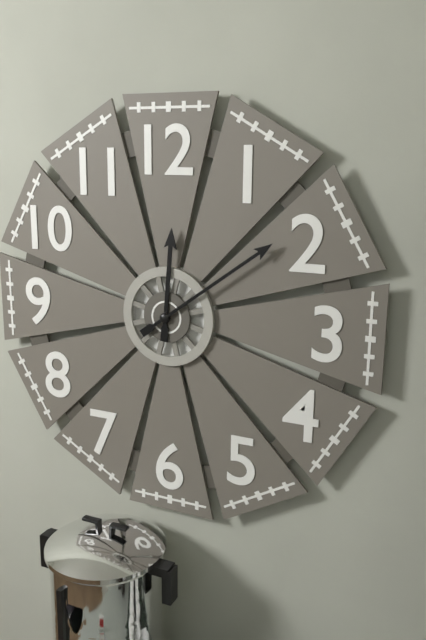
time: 12:09
